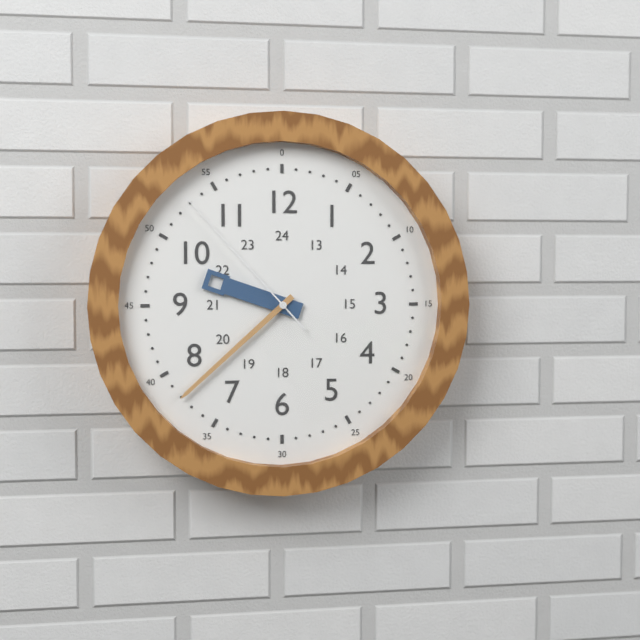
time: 9:38:53
